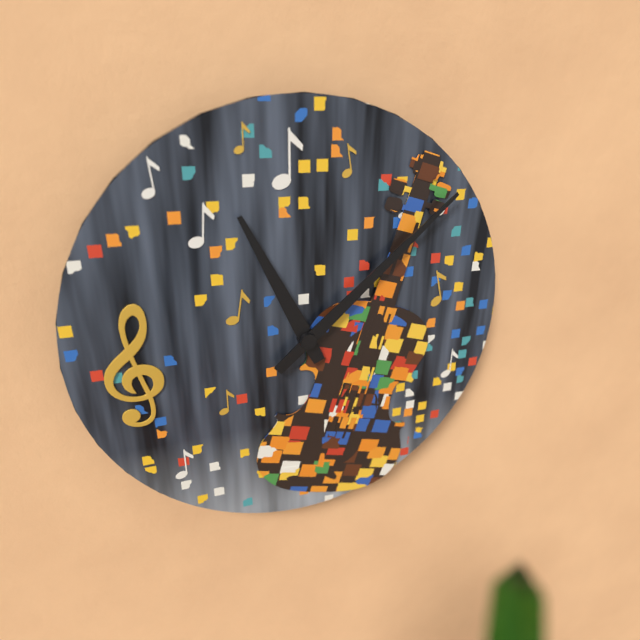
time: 11:08
